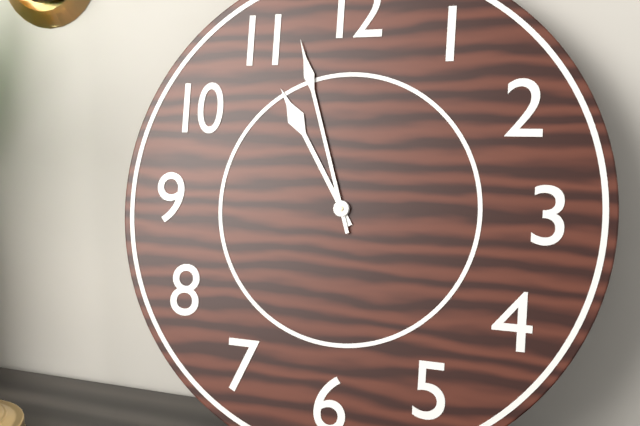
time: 10:57
